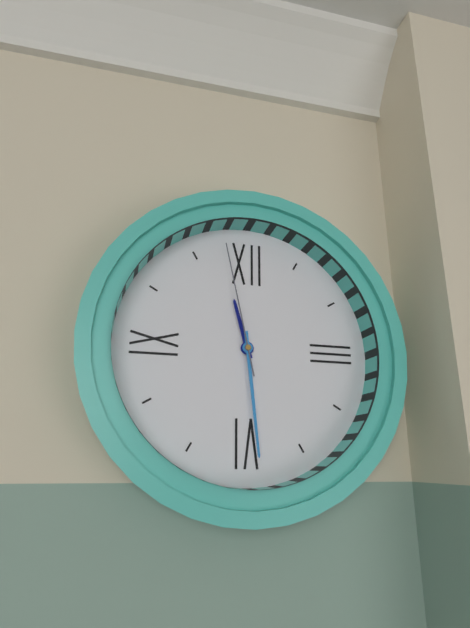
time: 11:29:58
